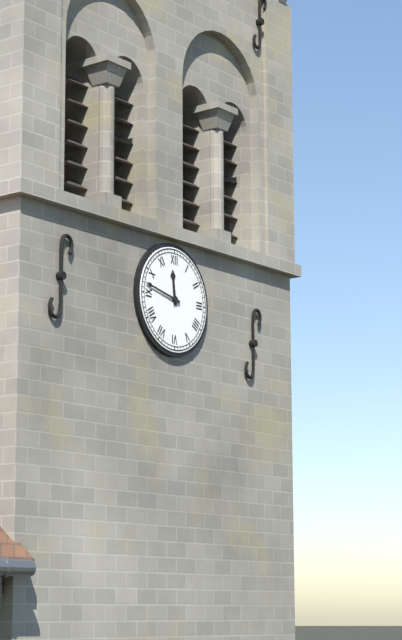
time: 11:47
